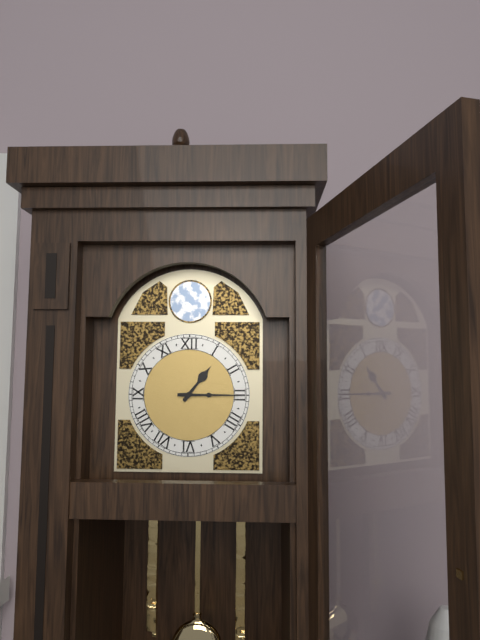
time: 1:15
